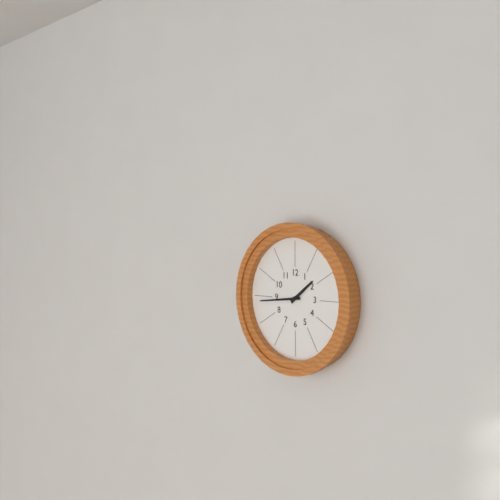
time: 1:44
